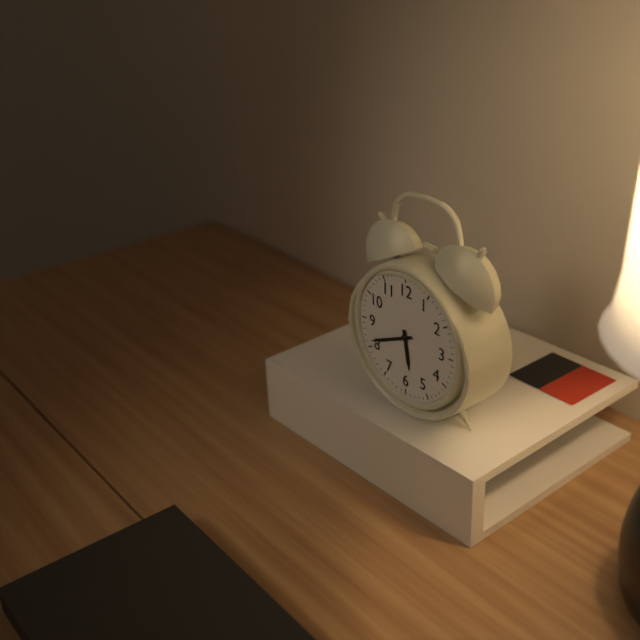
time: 5:41
